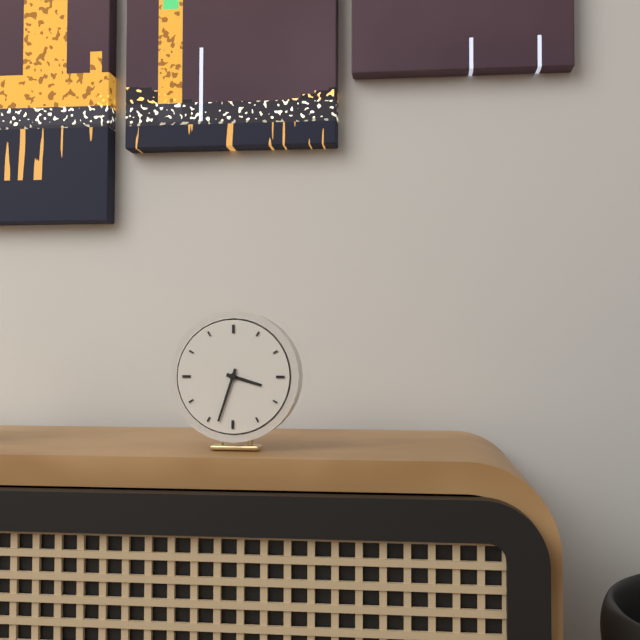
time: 3:33
